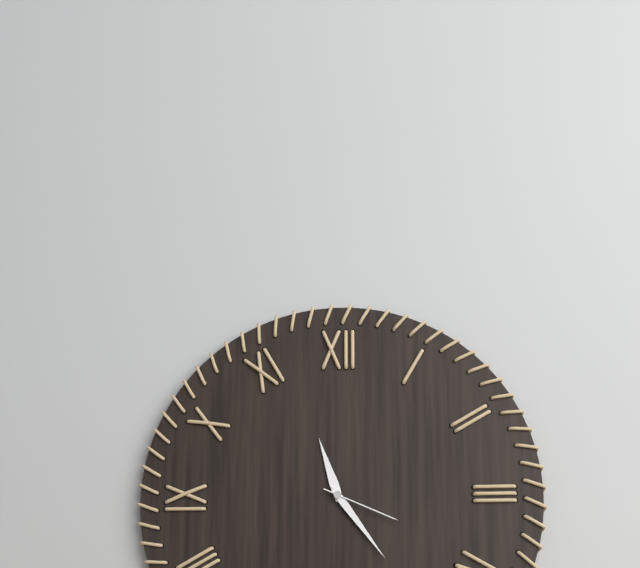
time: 11:24:19
